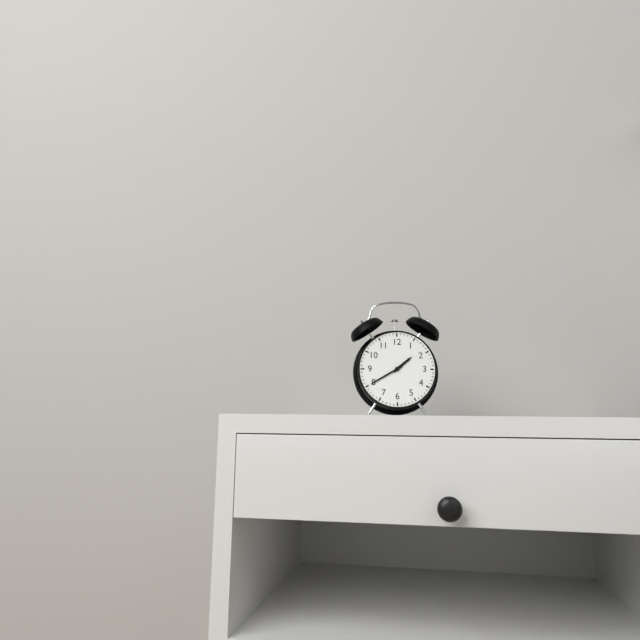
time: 1:40
